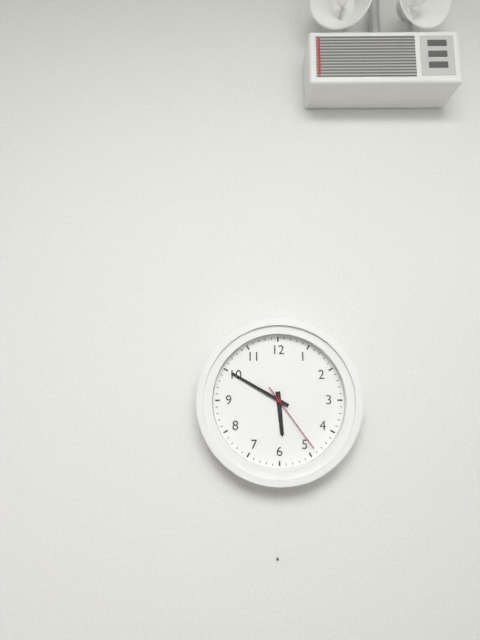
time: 5:50:24
